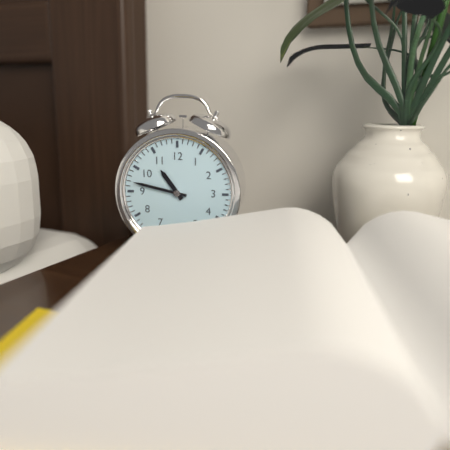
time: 10:47
